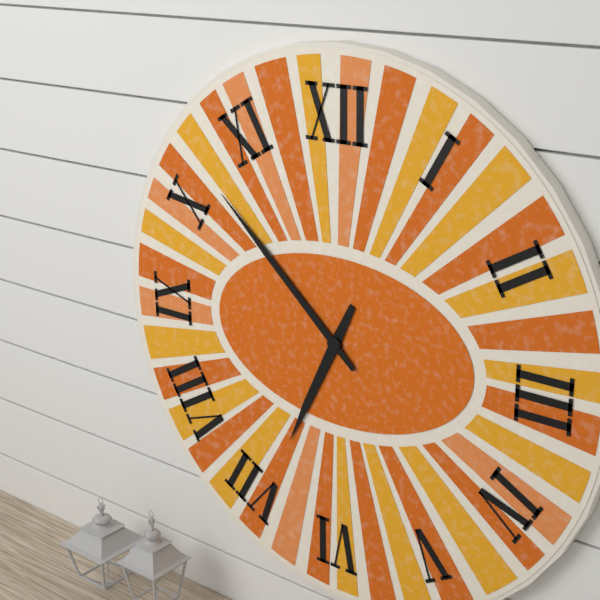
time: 6:52
